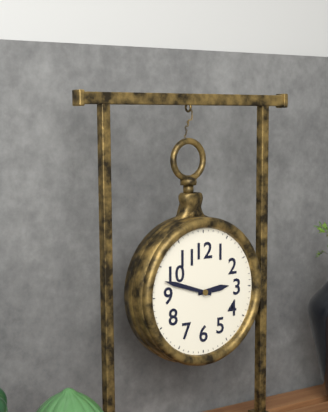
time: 2:48
